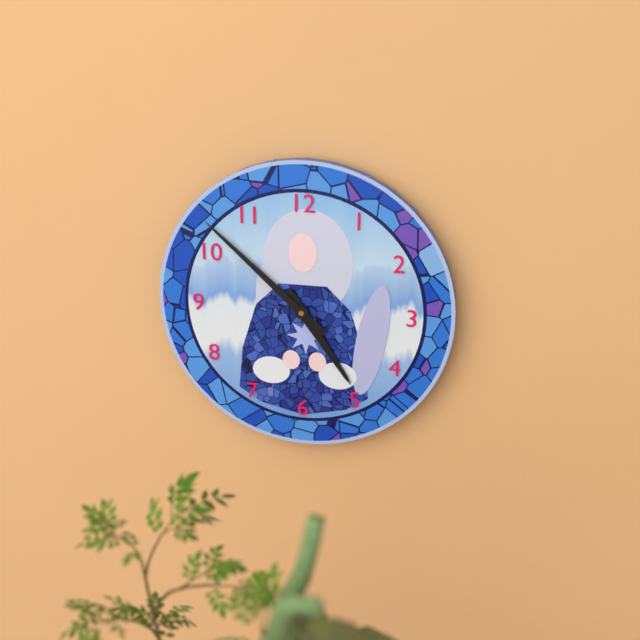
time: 4:52
